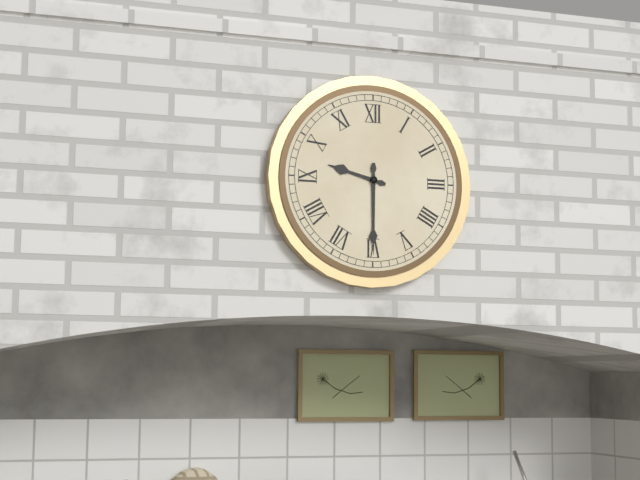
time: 9:30
